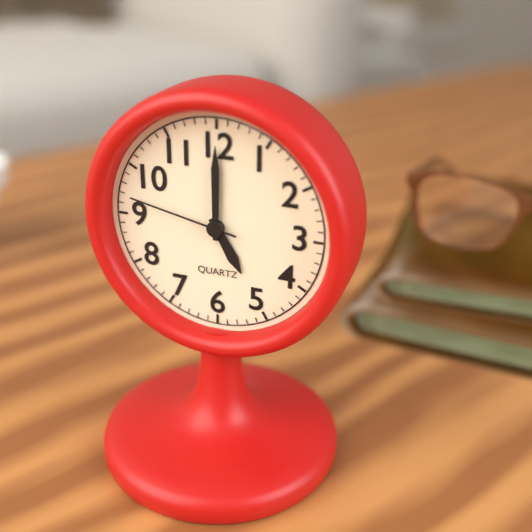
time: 5:00:47
